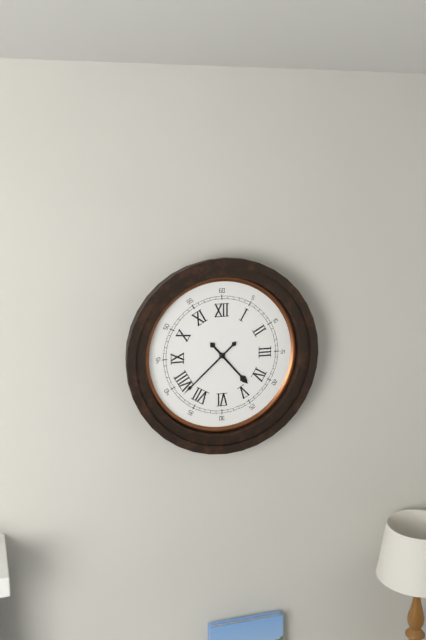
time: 4:38
